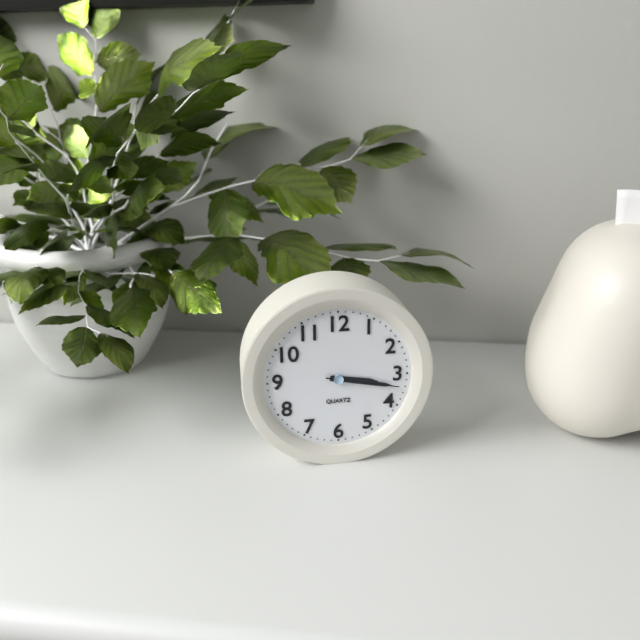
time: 3:17:17
